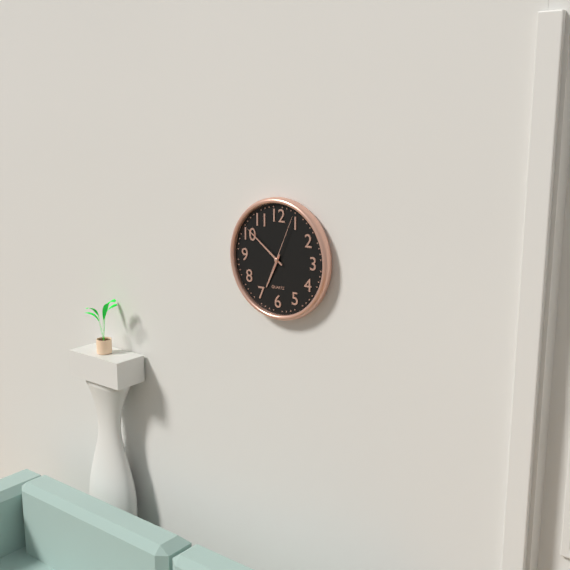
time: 6:51:04
